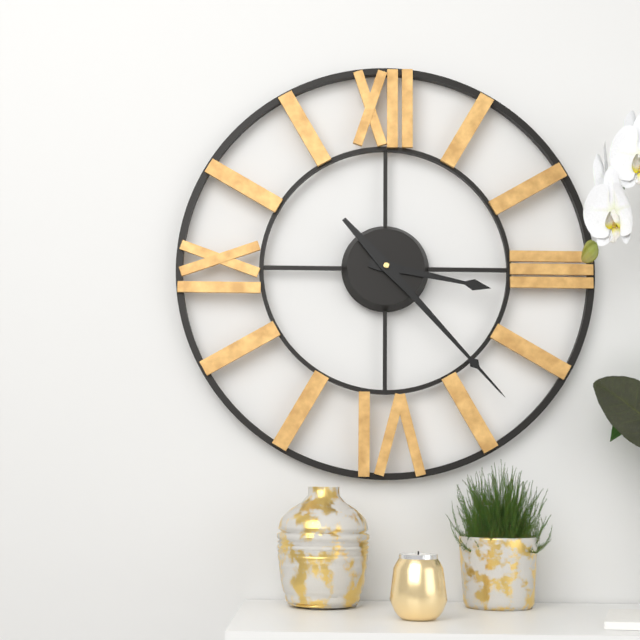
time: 3:23
